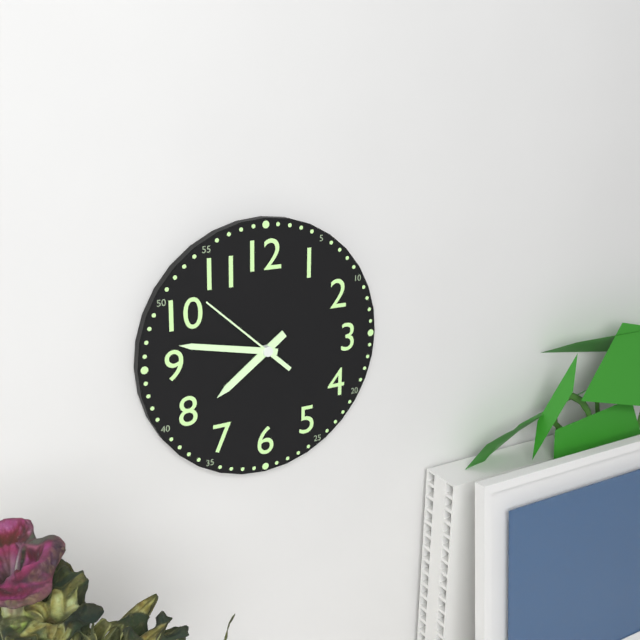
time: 7:47:52
